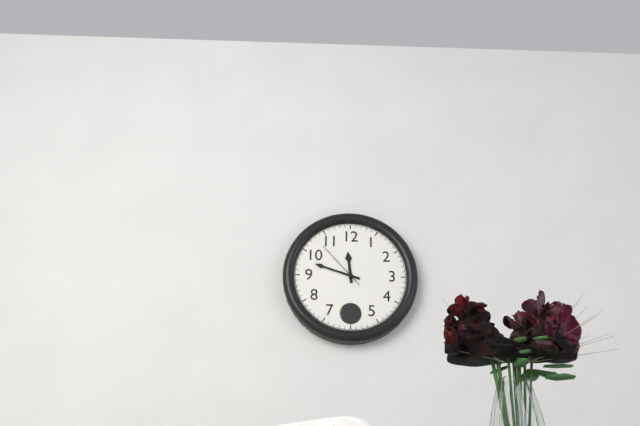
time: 11:48:53
